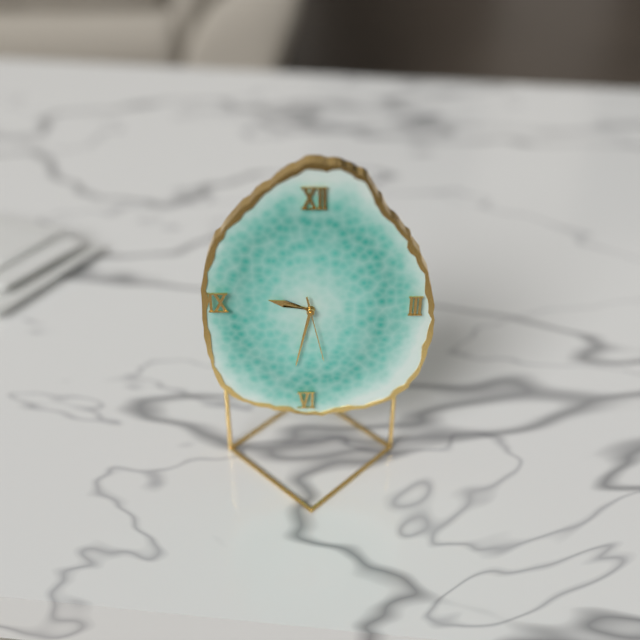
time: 9:32:28
